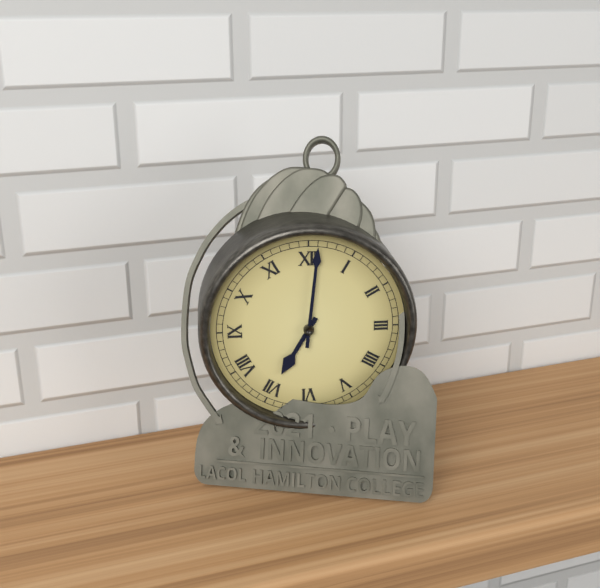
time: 7:01
